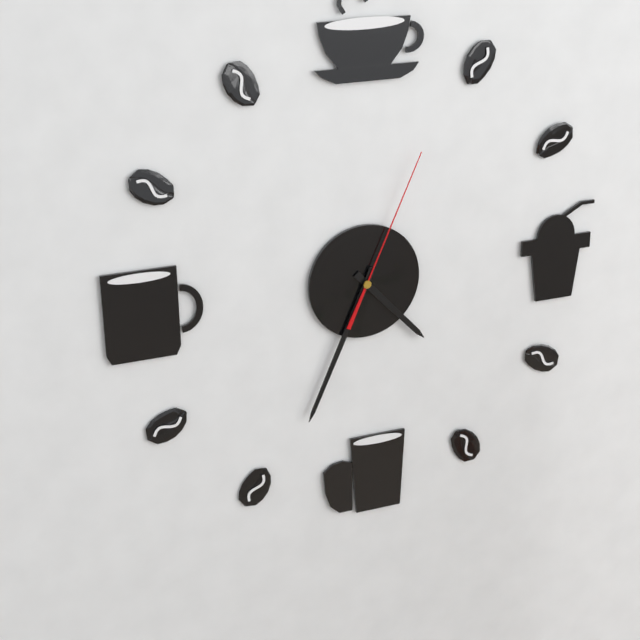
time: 4:34:04
